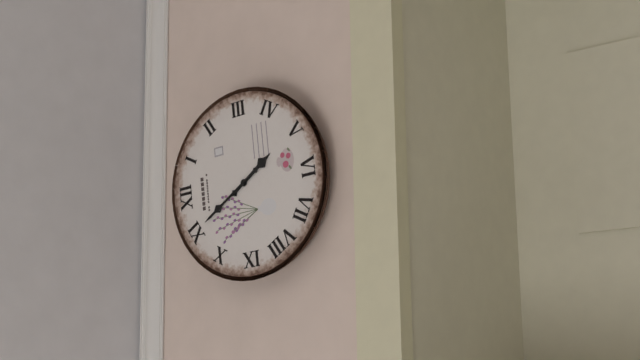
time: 4:55
